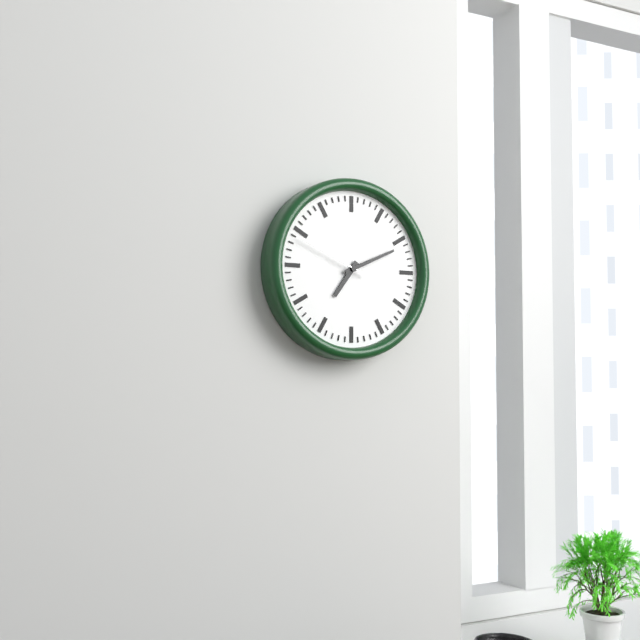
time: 7:11:49
